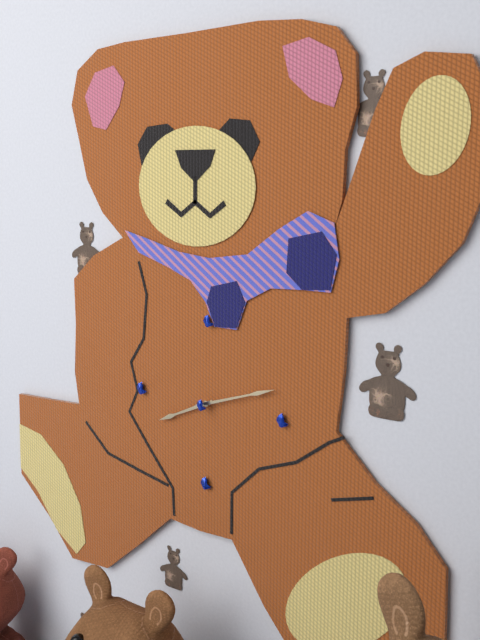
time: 8:12
